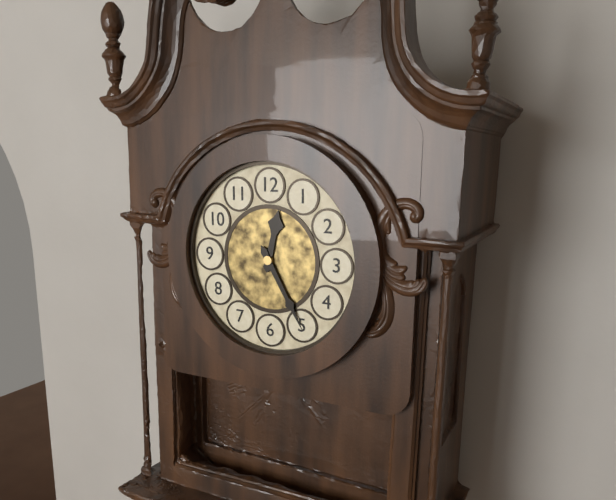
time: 12:25
